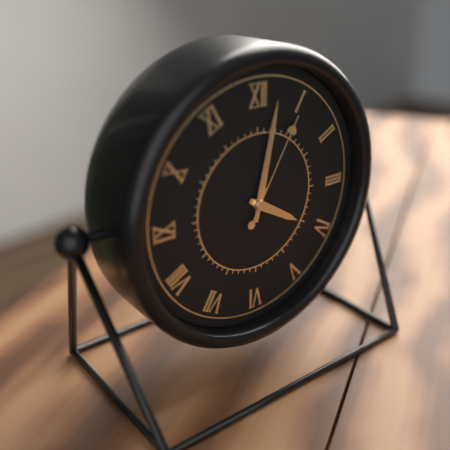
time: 4:02:05
